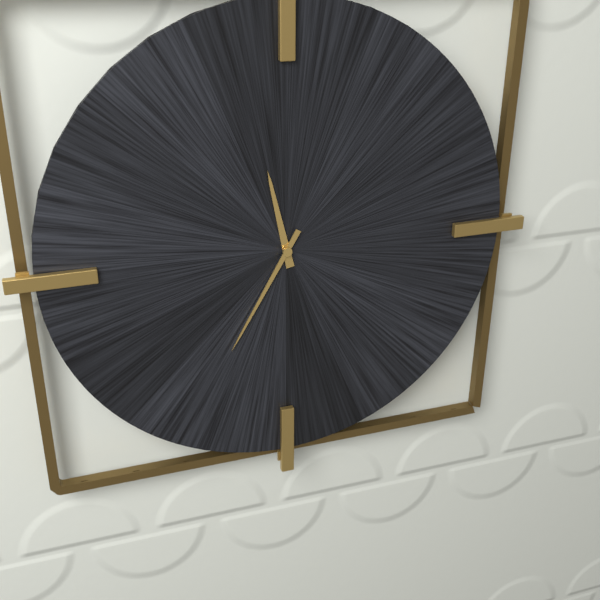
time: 11:35
